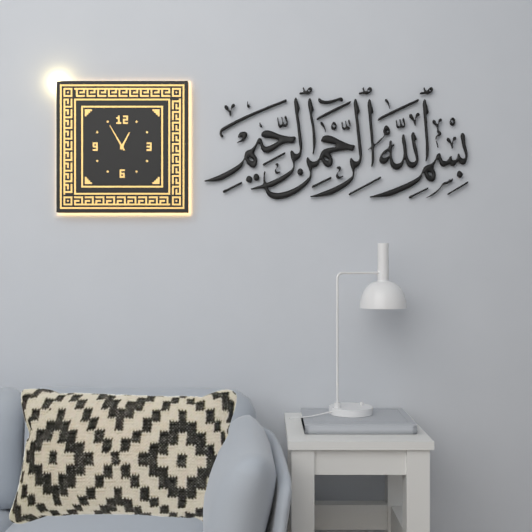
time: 12:55
